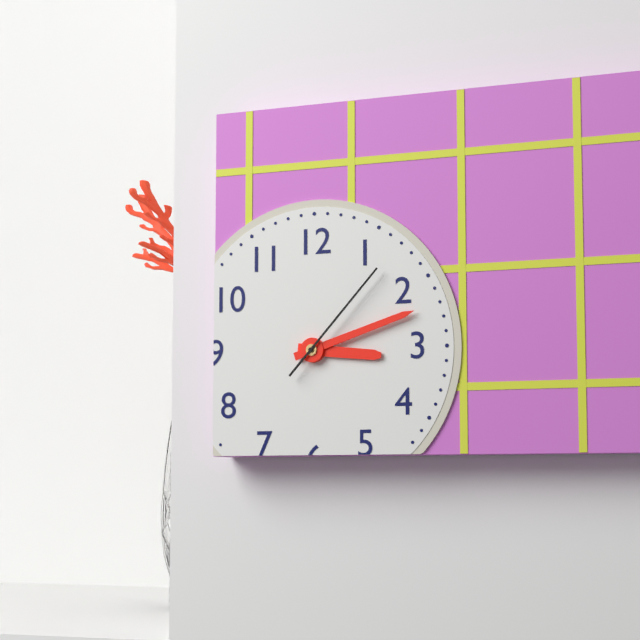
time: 3:12:07
